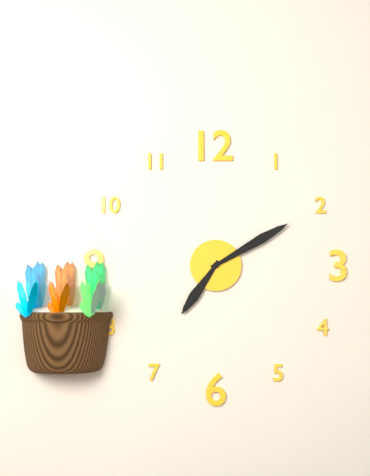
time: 7:10
